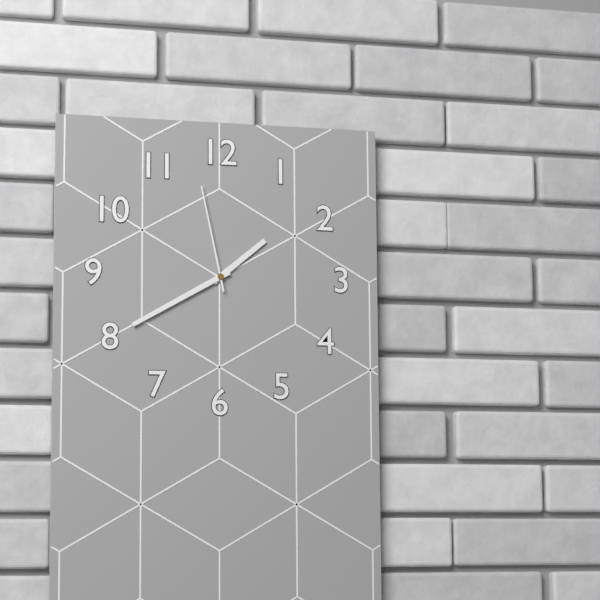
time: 1:40:58
